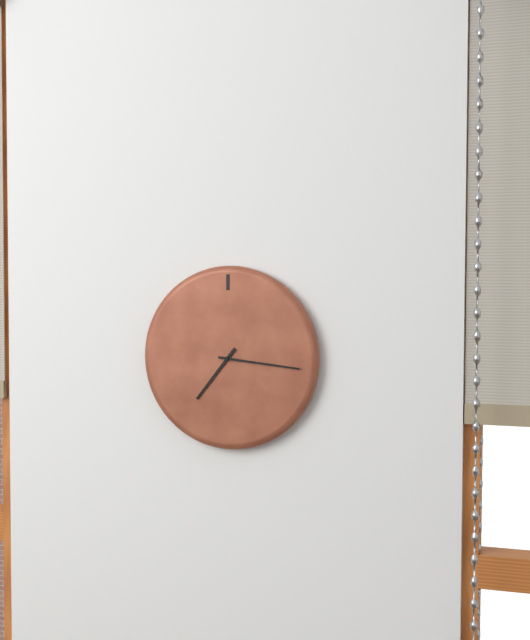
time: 7:16
